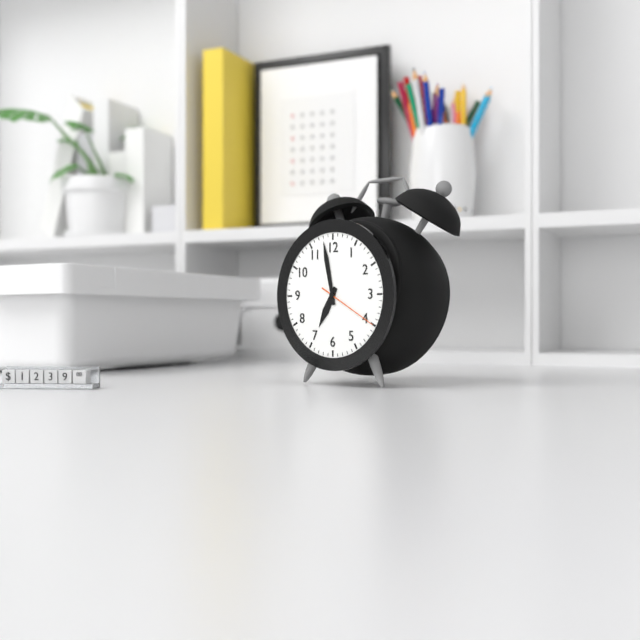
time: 6:58:20
